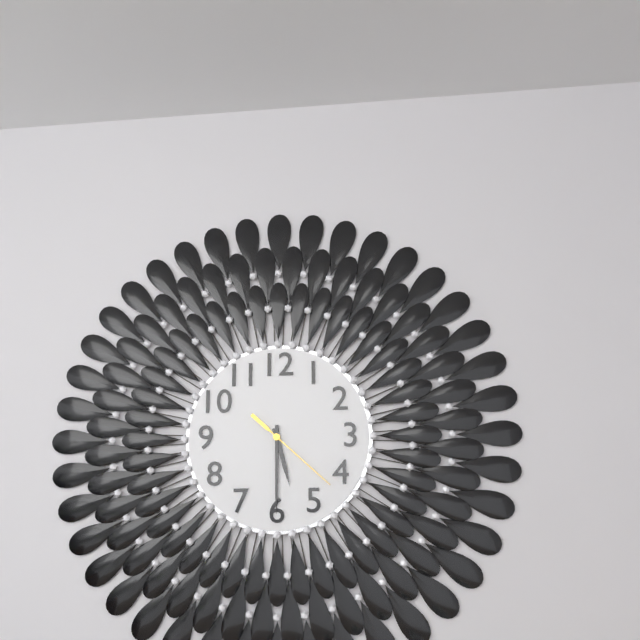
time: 5:30:22
